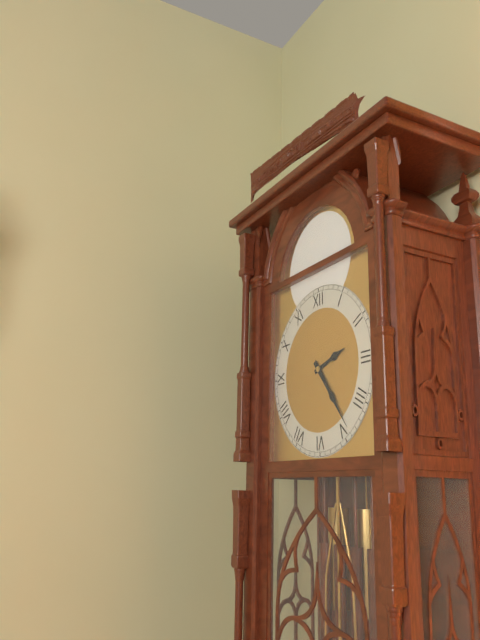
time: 2:24
